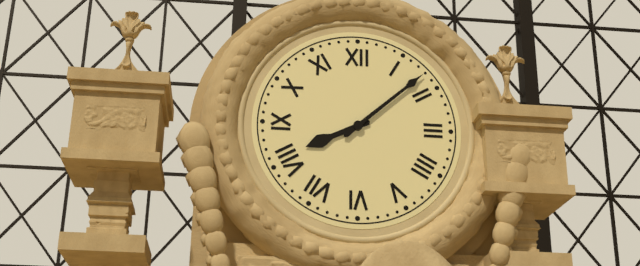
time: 8:08
